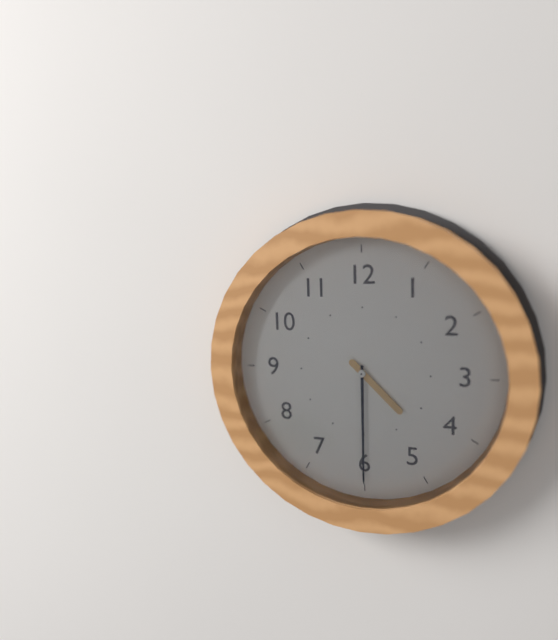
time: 4:30
